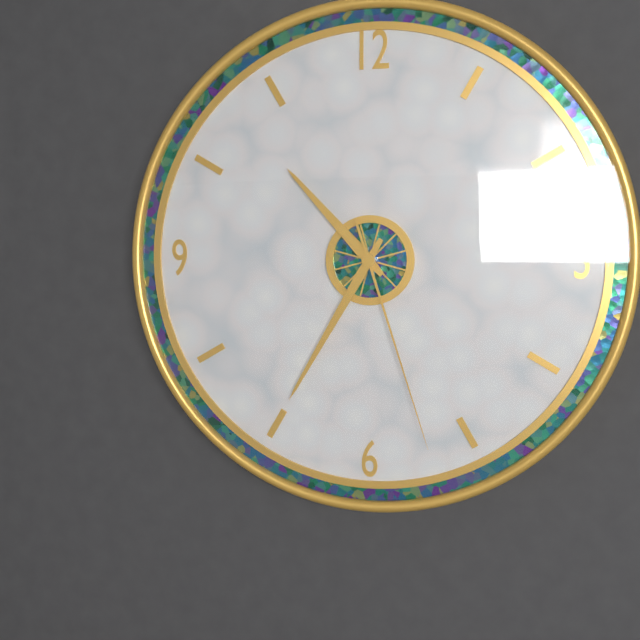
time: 10:35:27
